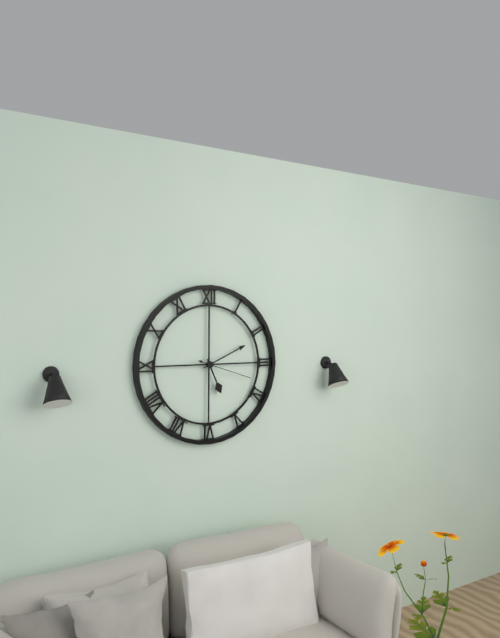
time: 5:11:18
